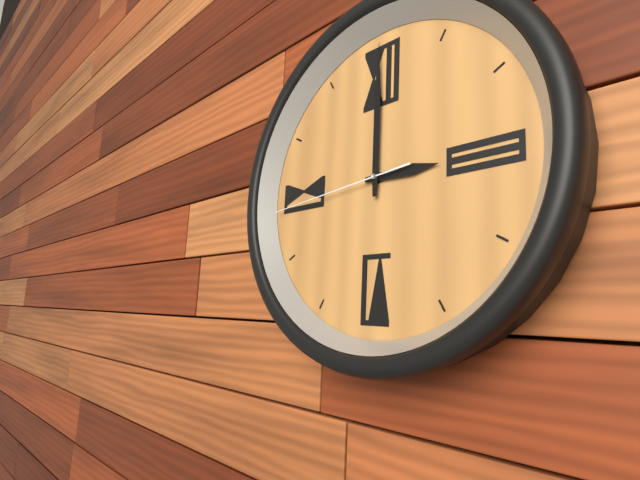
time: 3:00:44
